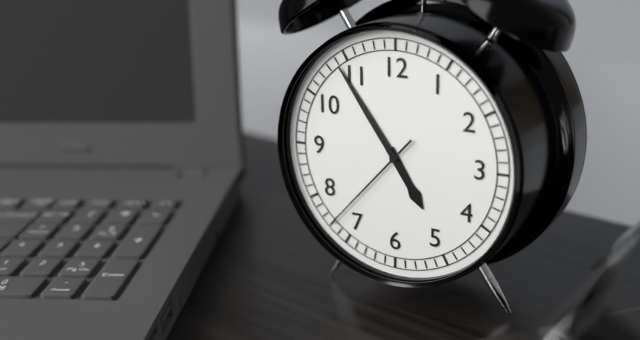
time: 4:54:37
